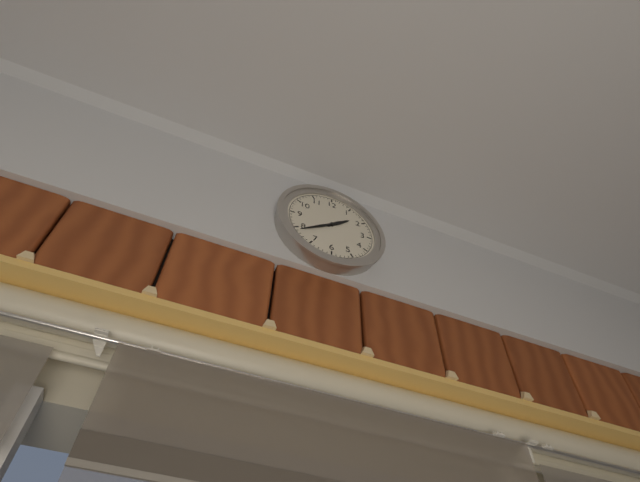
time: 1:39
